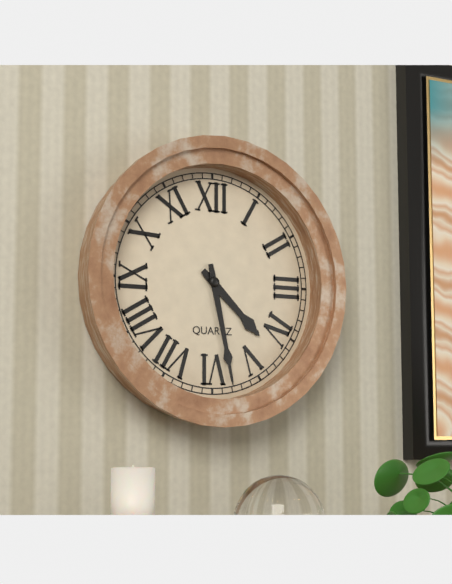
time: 4:28
